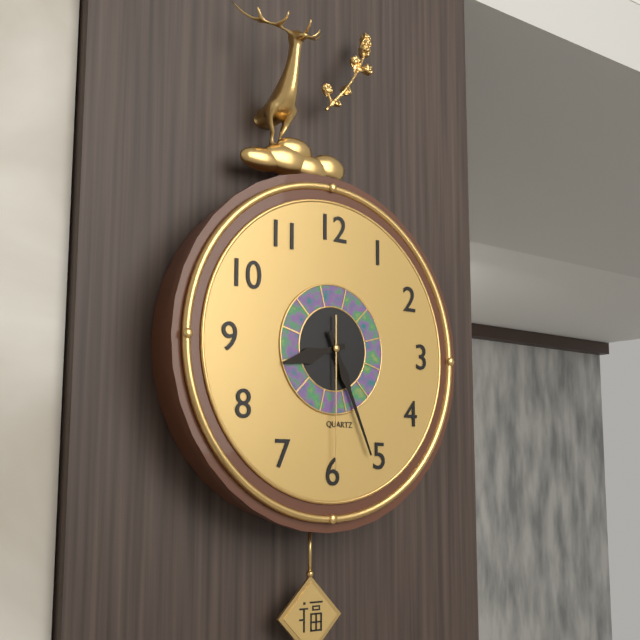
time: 8:26:30
